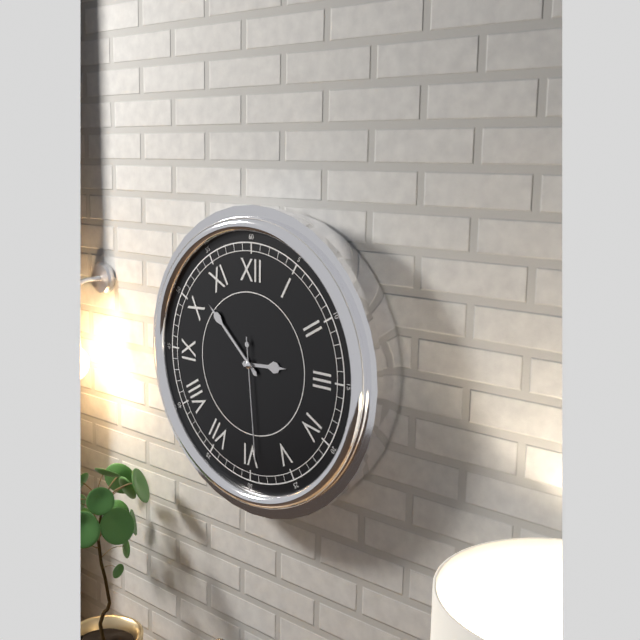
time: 2:52:29
